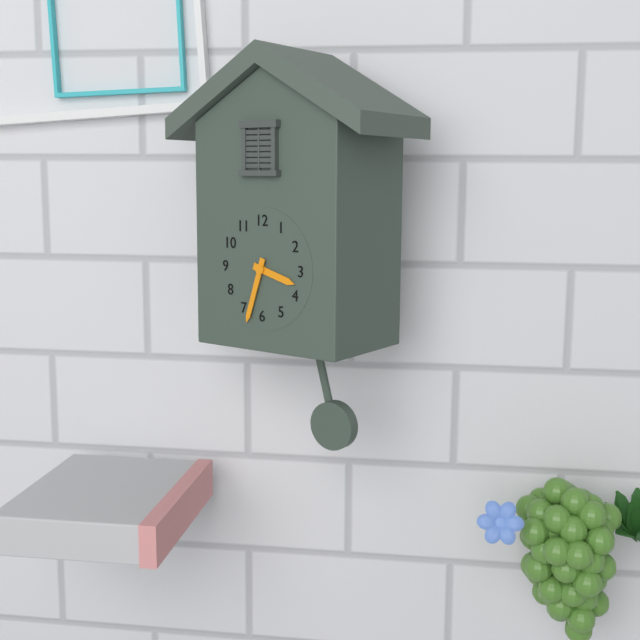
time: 3:33
